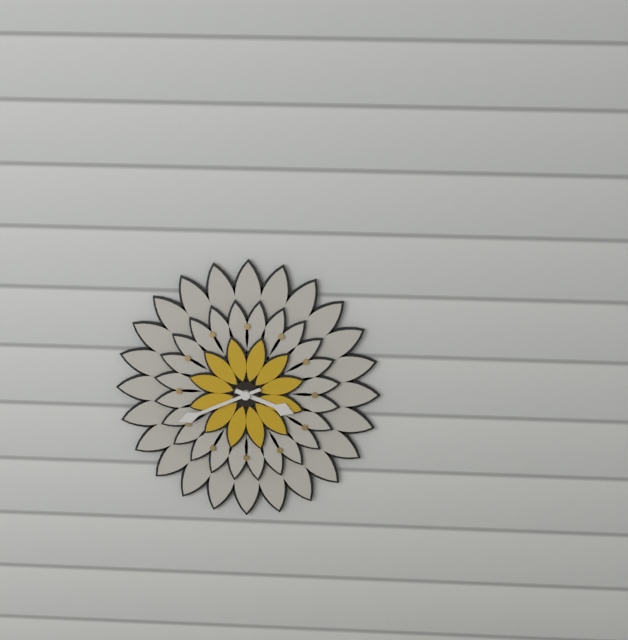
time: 3:41
